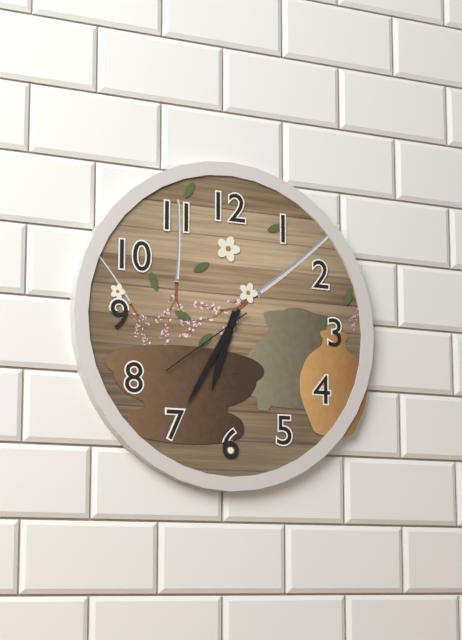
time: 6:35:39
